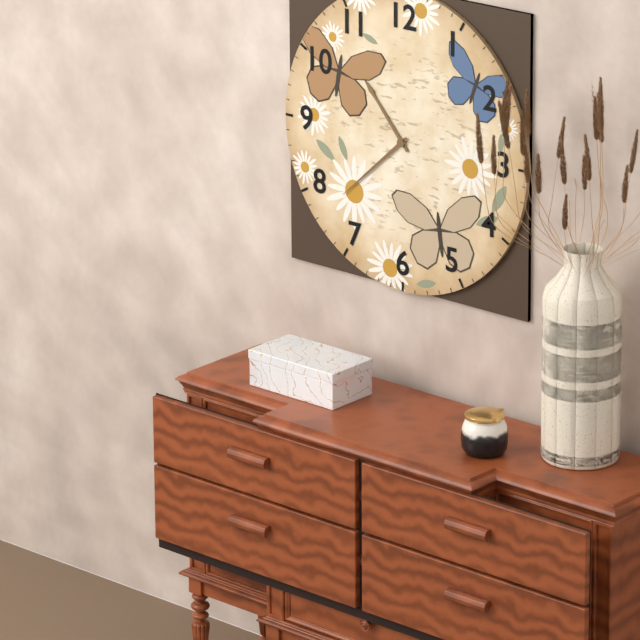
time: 10:38
